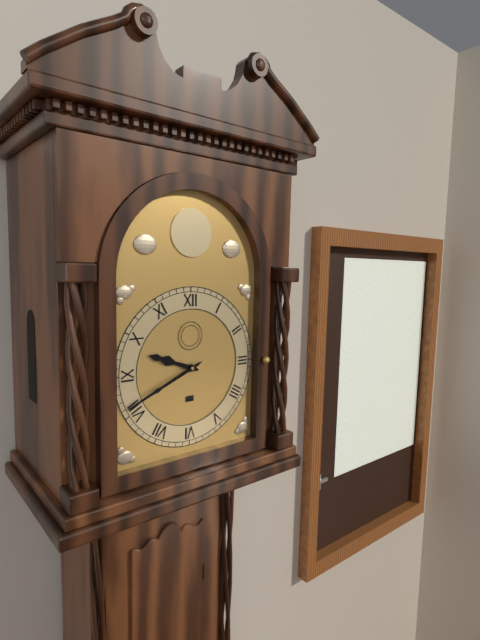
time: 9:41
